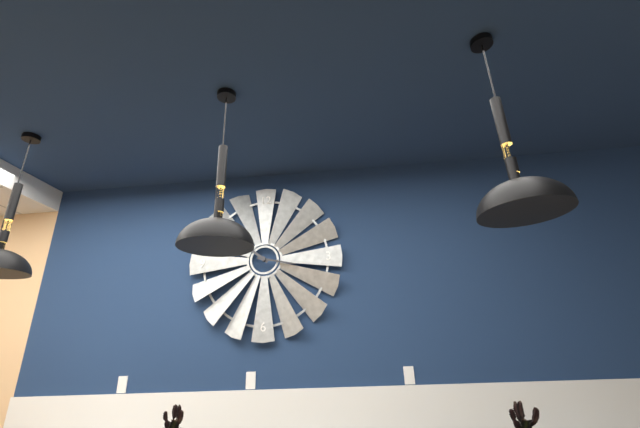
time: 10:17
